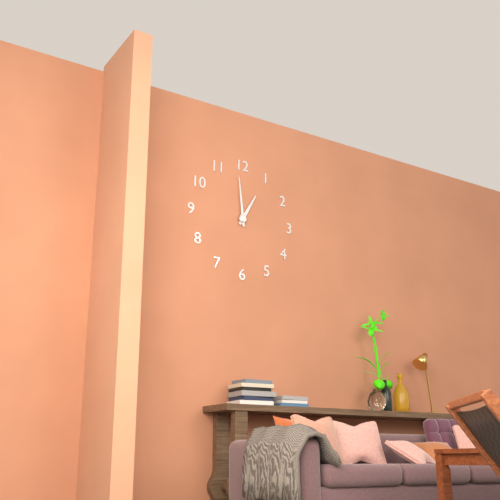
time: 12:59
